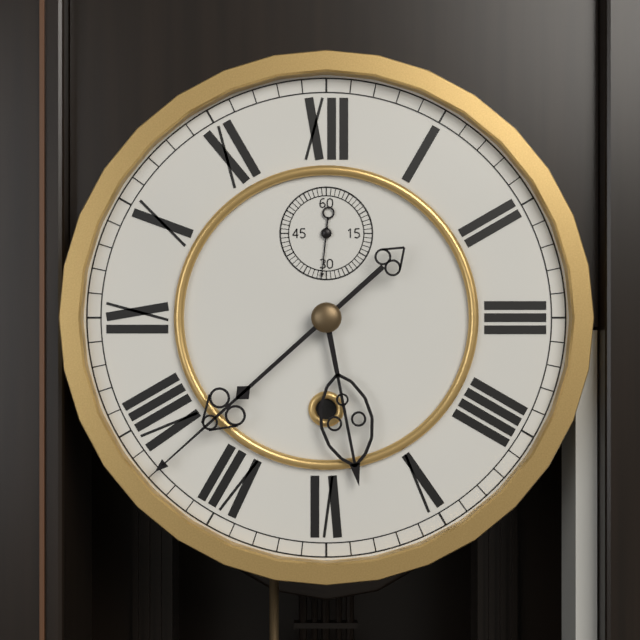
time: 5:38:31
